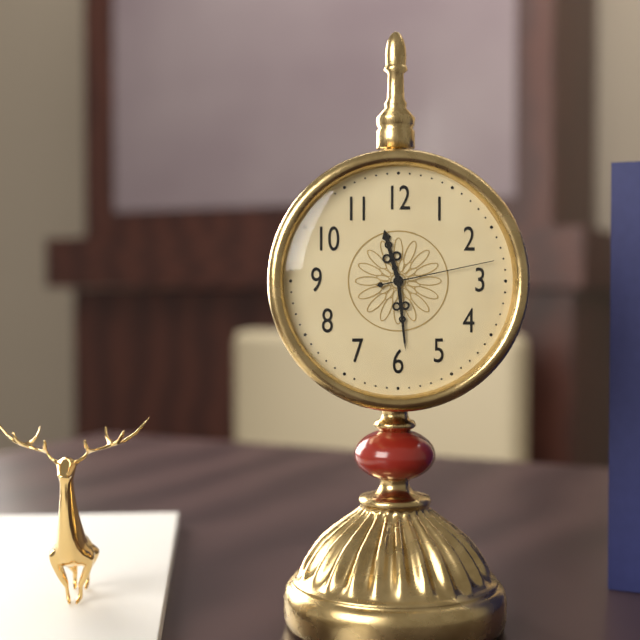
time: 11:29:13
